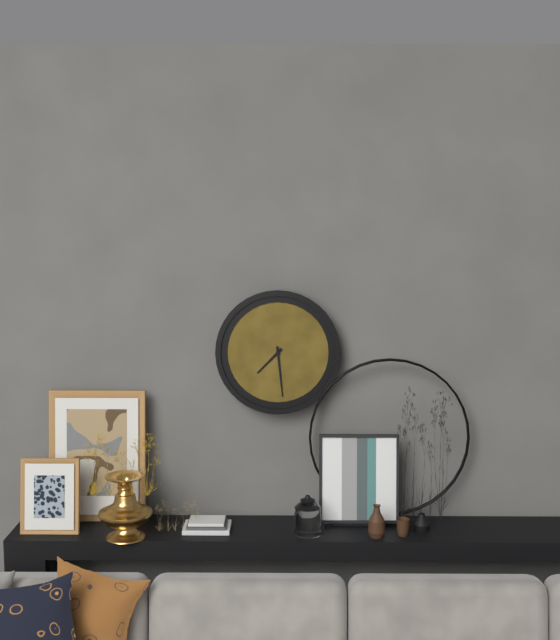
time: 7:29
